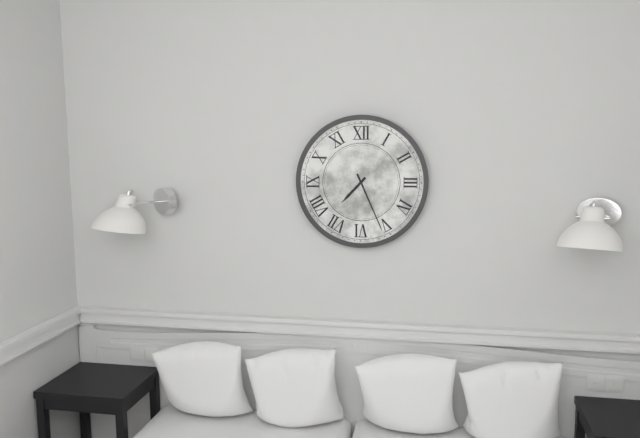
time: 7:26
